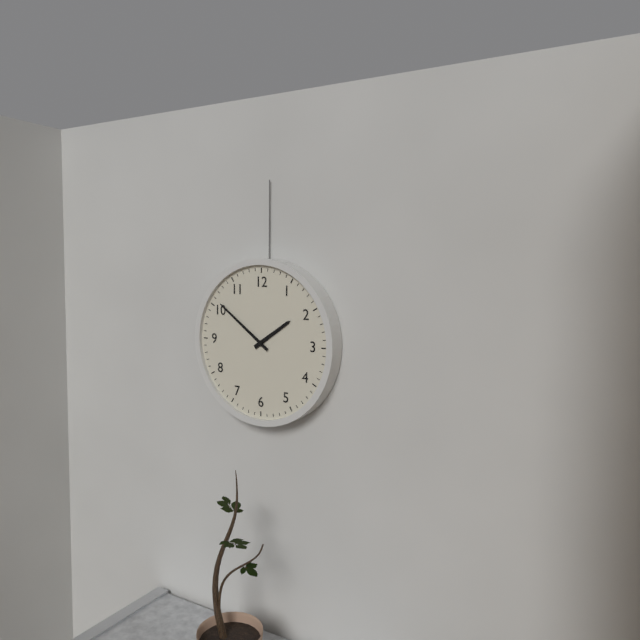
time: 1:51
